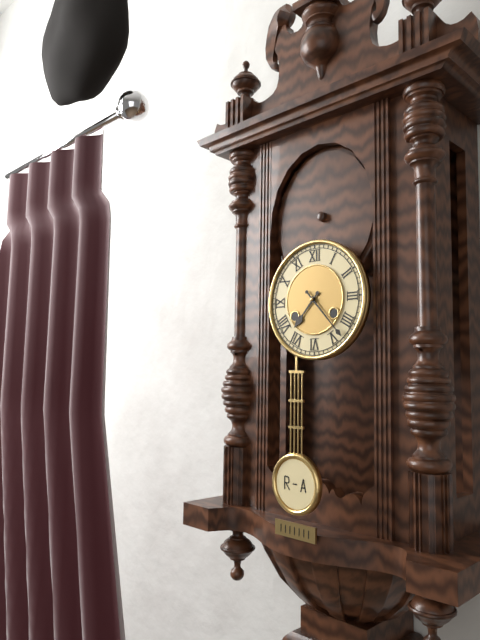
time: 7:23
